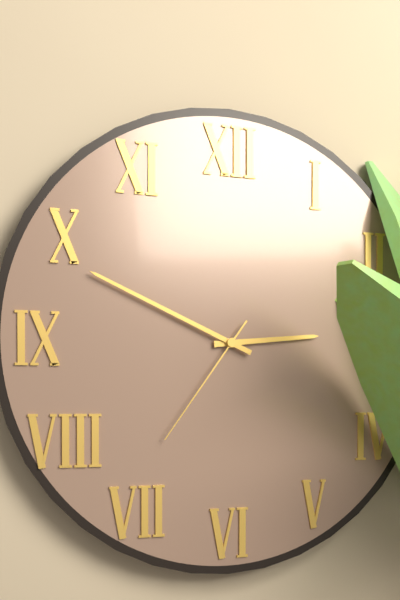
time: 2:49:36
